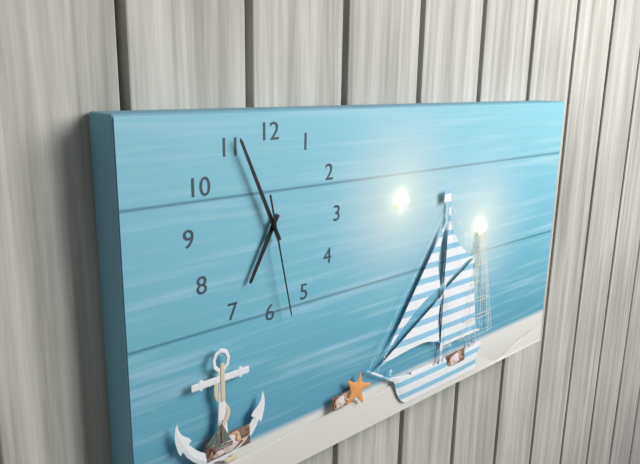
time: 6:56:28
